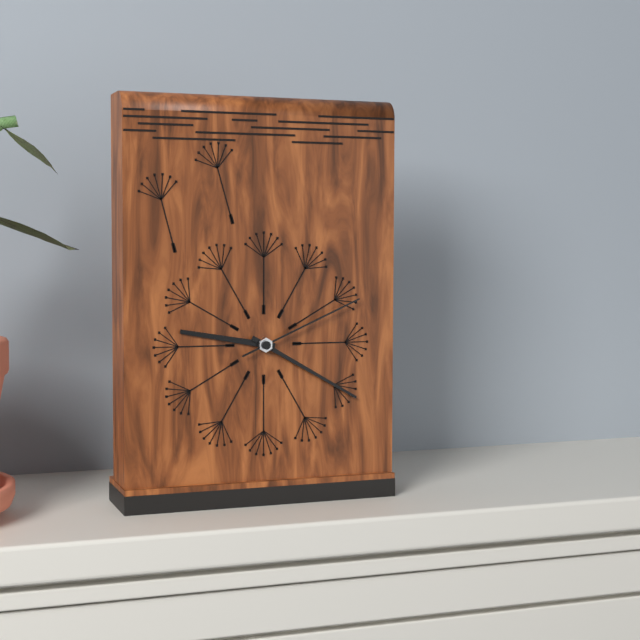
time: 9:20:11
